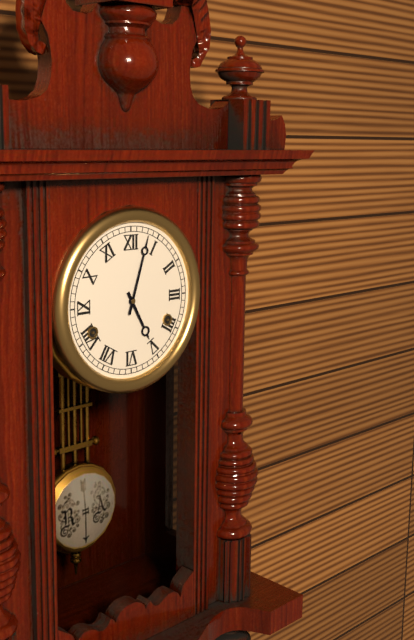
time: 5:03
